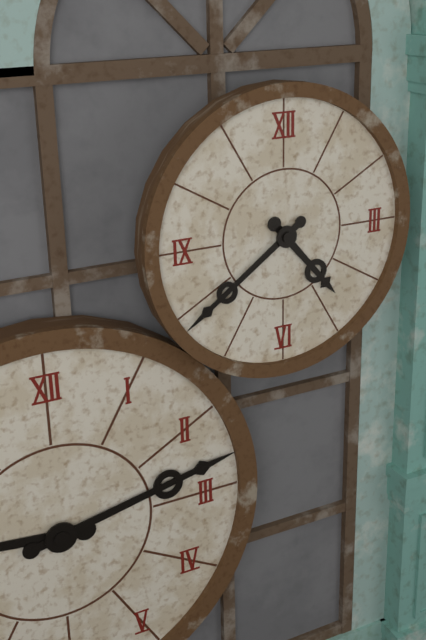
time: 4:39
